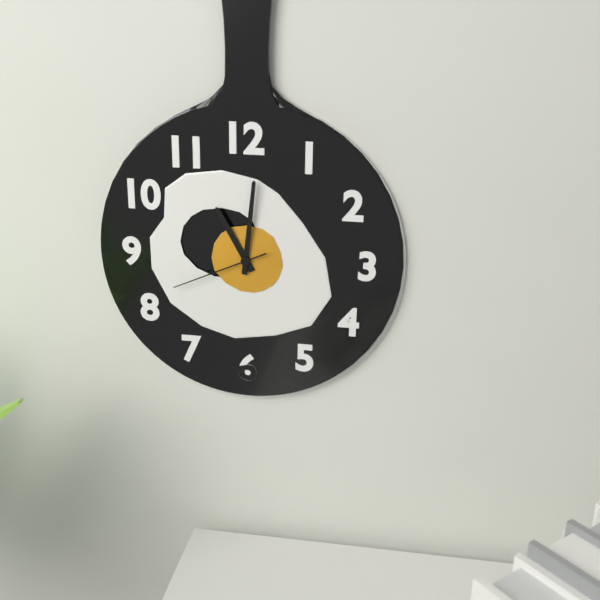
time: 11:01:41
